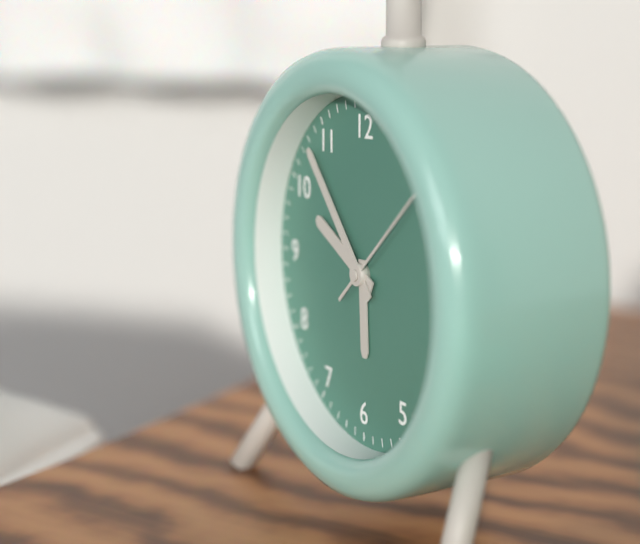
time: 9:53:08
